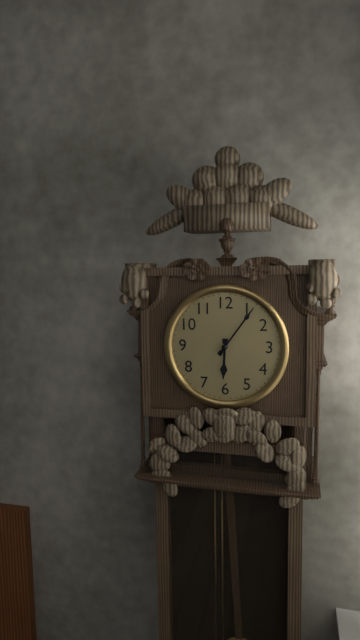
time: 6:06
